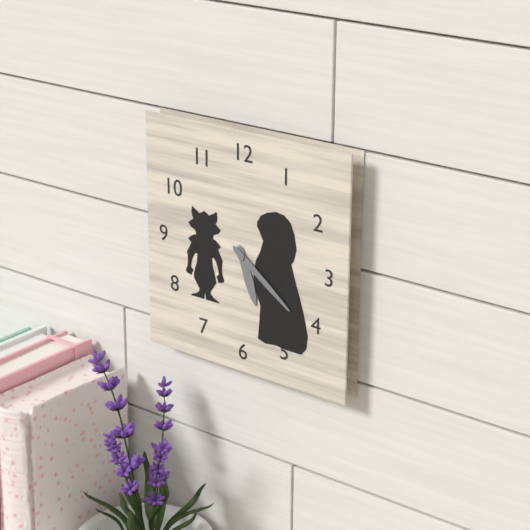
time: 5:21
